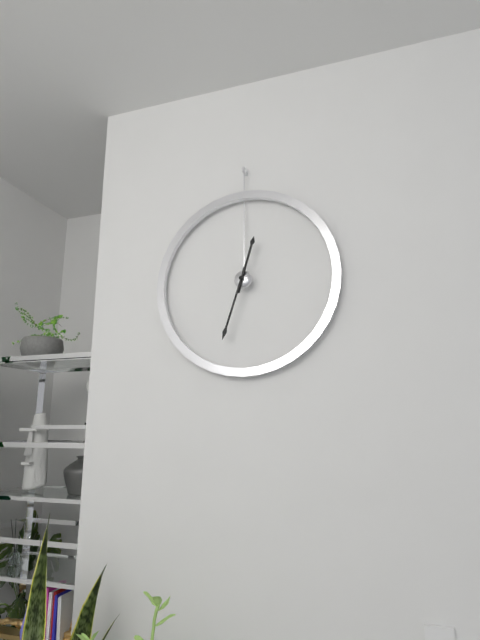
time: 12:33
